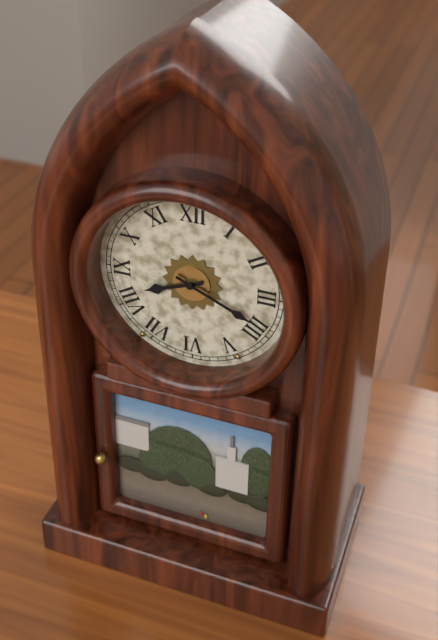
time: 8:19
